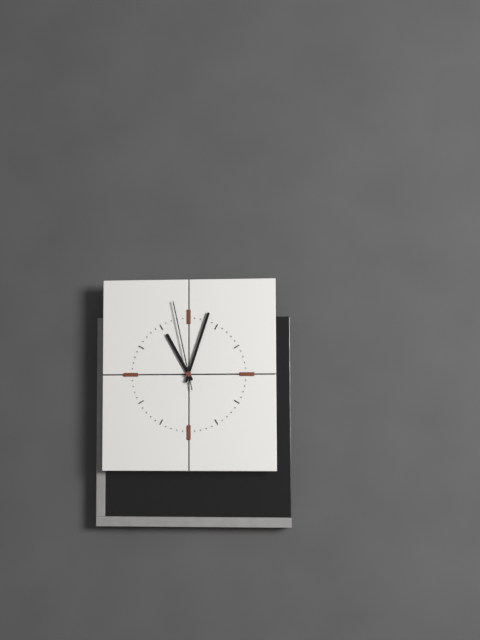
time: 11:03:58
